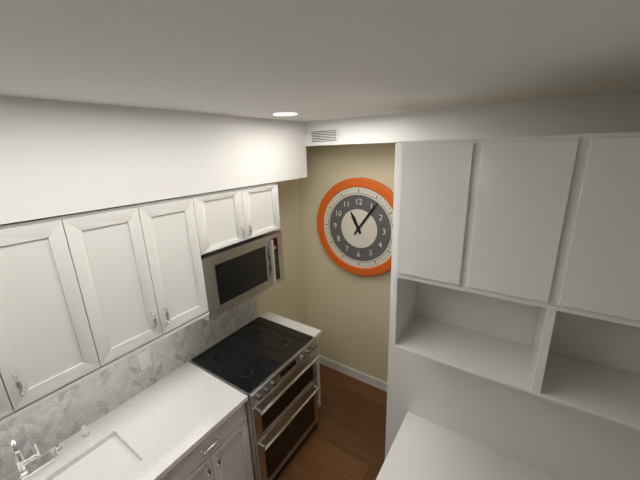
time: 11:06
